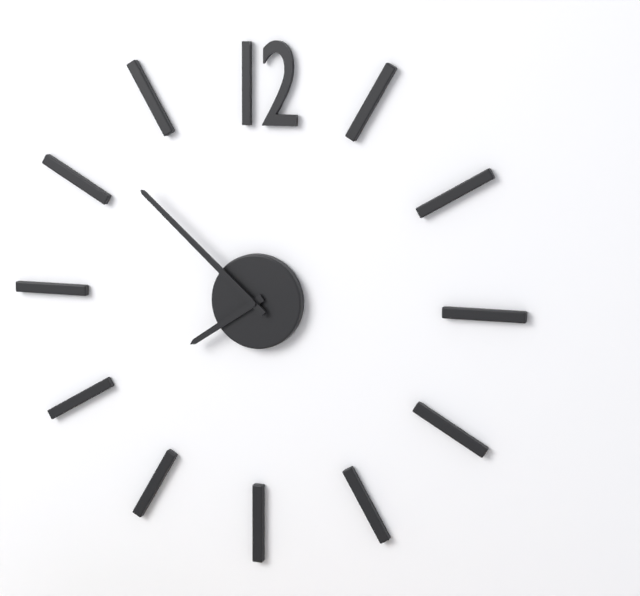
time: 7:52
